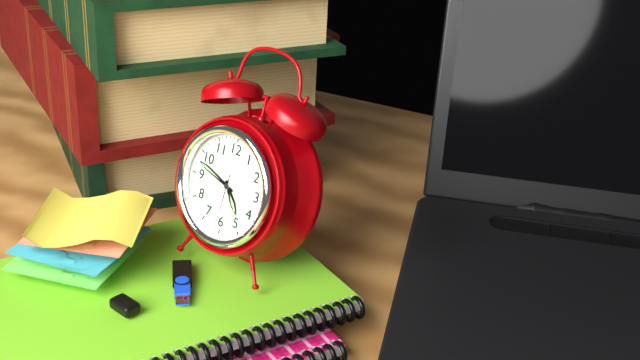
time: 4:48:31
